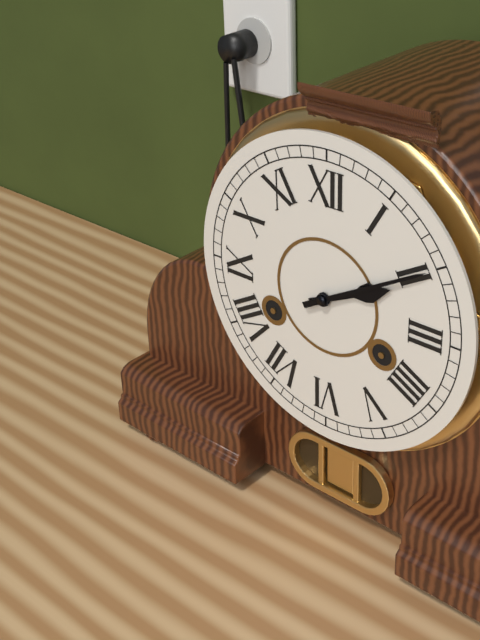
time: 2:10
